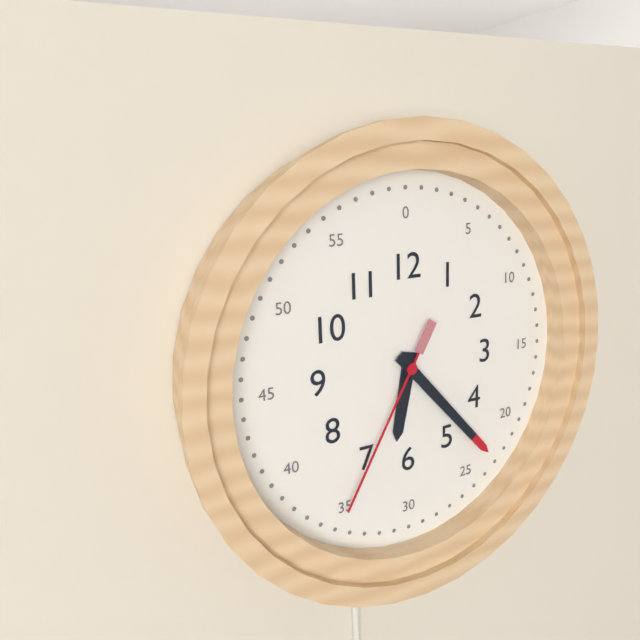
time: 6:23:35
